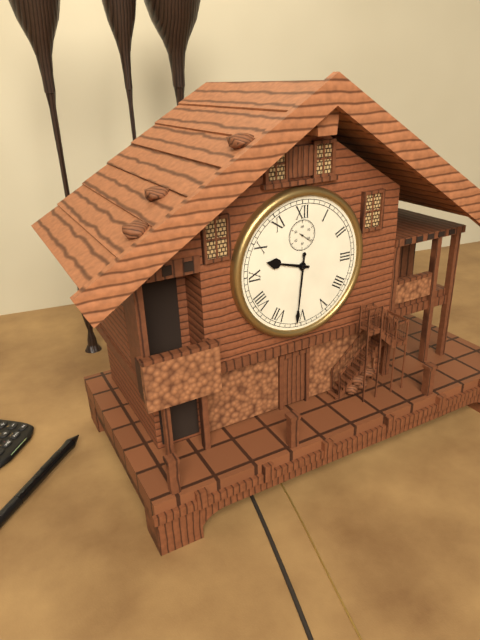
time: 9:31
